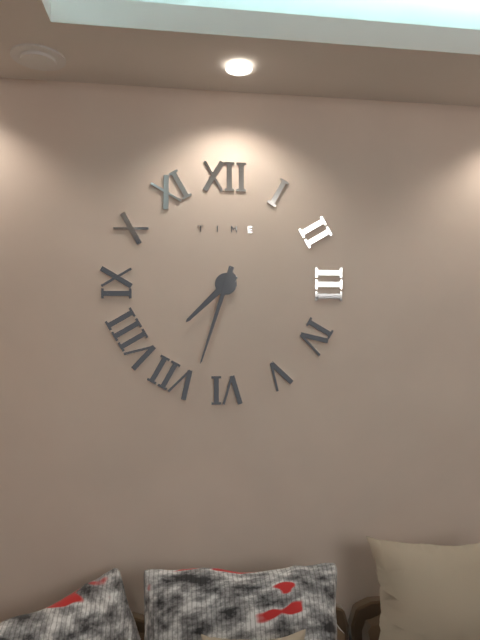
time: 7:33
